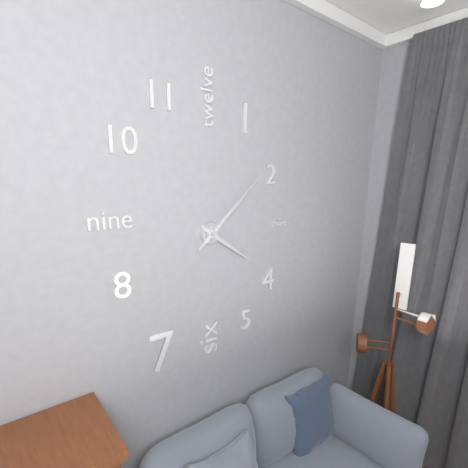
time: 4:08
